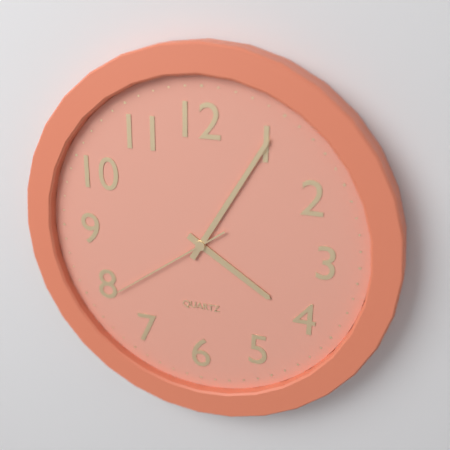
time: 4:05:39
